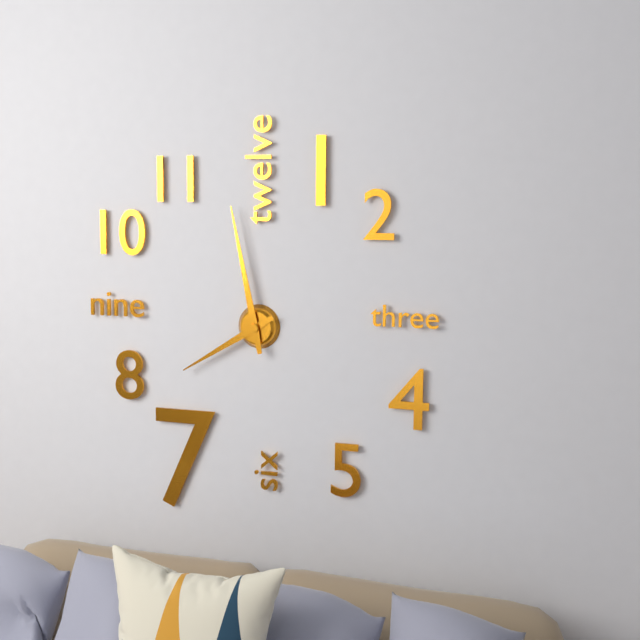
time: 7:58
